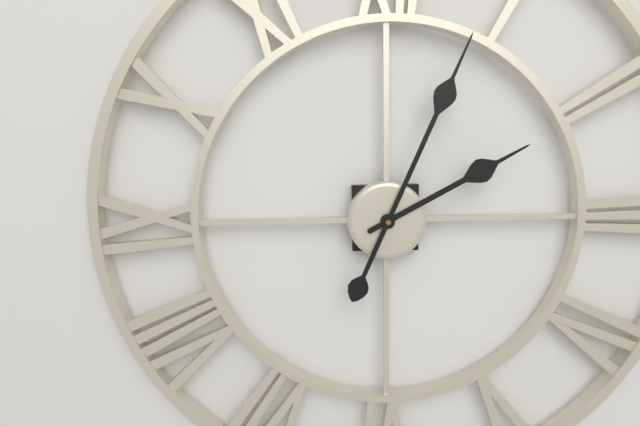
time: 2:04
